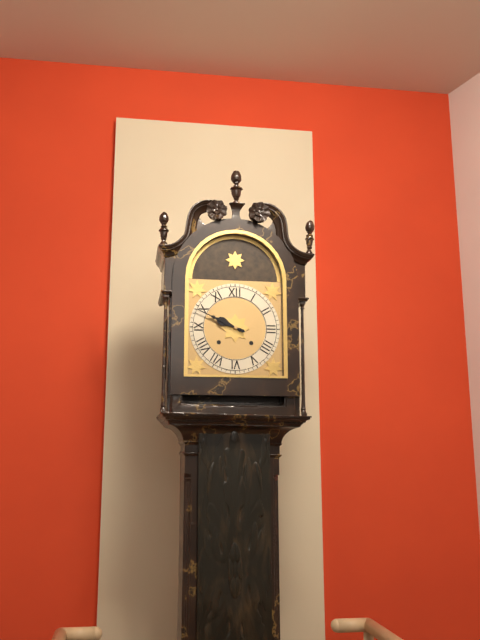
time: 9:49
